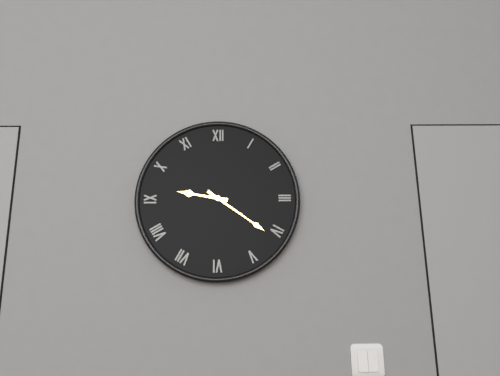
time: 9:21
